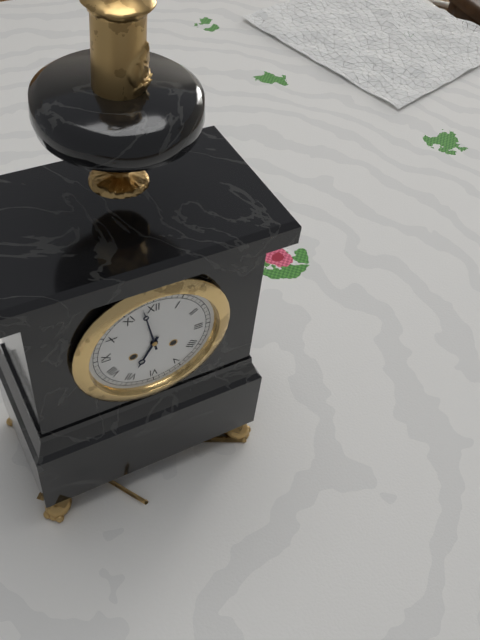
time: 6:58
